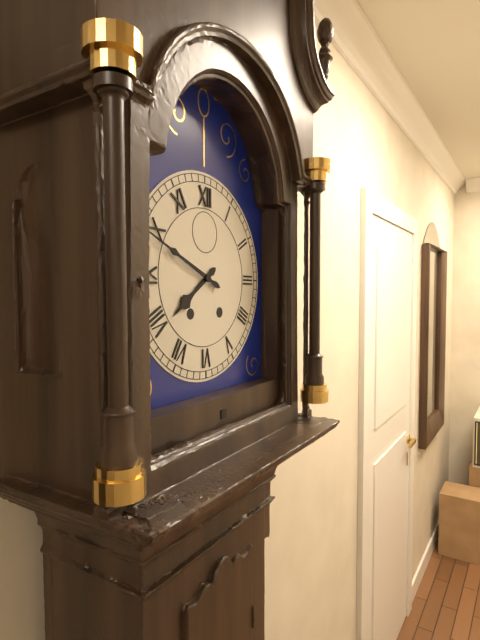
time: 7:49
